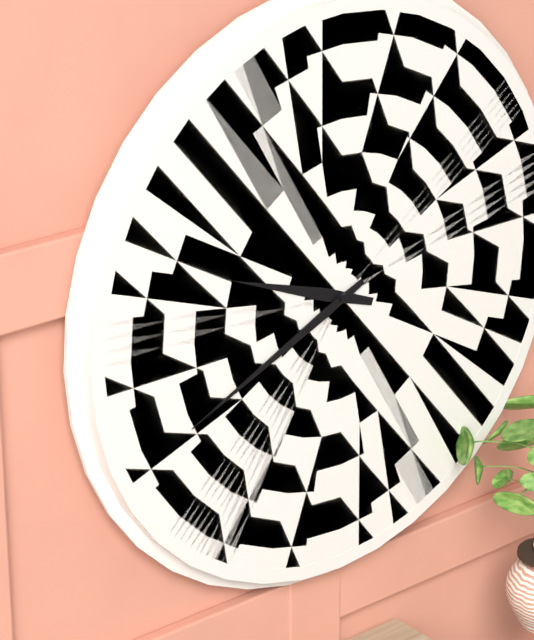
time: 9:41
